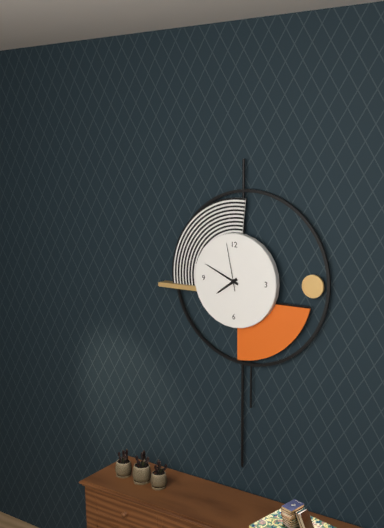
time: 7:49
